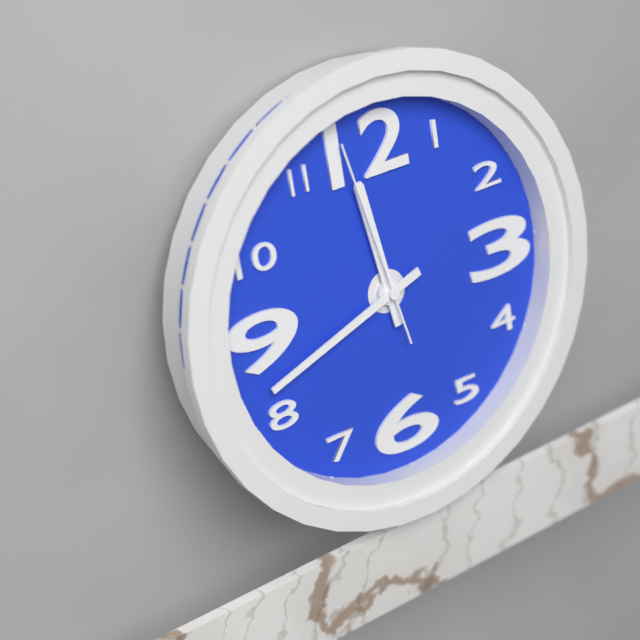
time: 11:42:58
